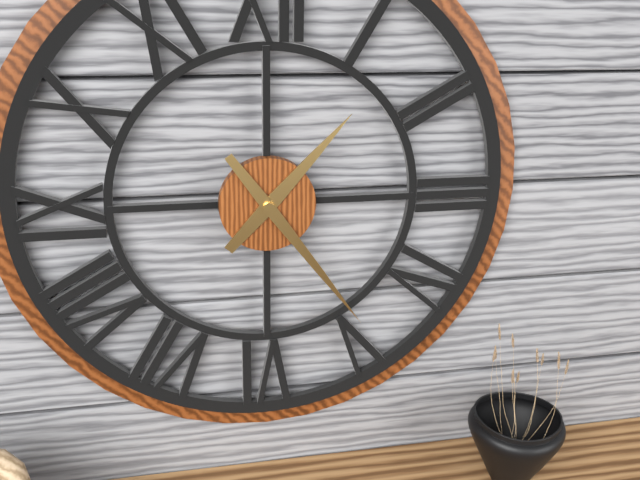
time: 1:24
